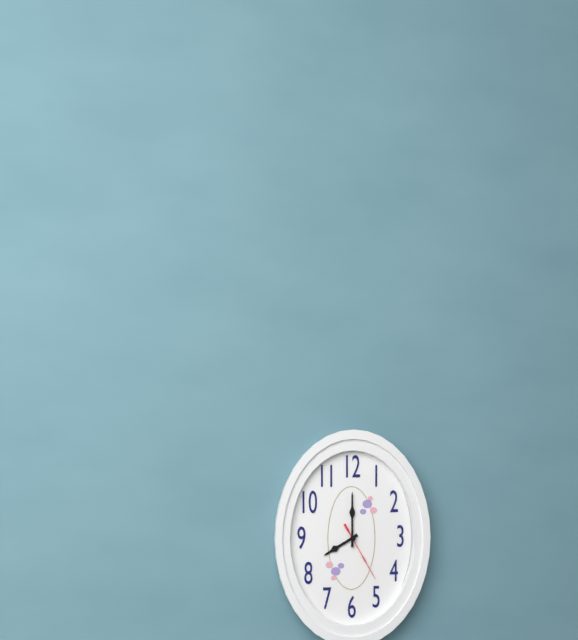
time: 8:00:25
